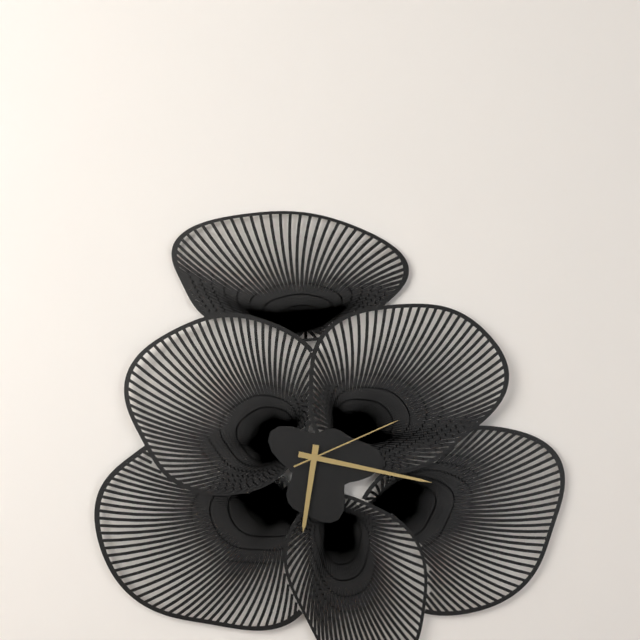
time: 6:17:11
